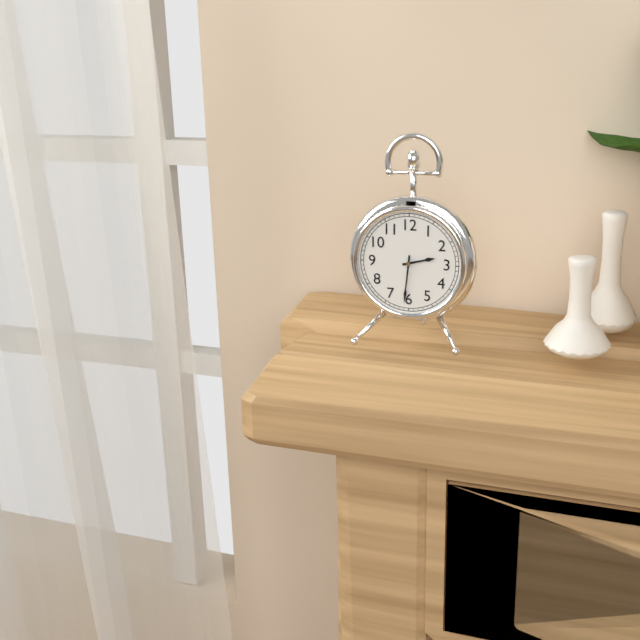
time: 2:31
